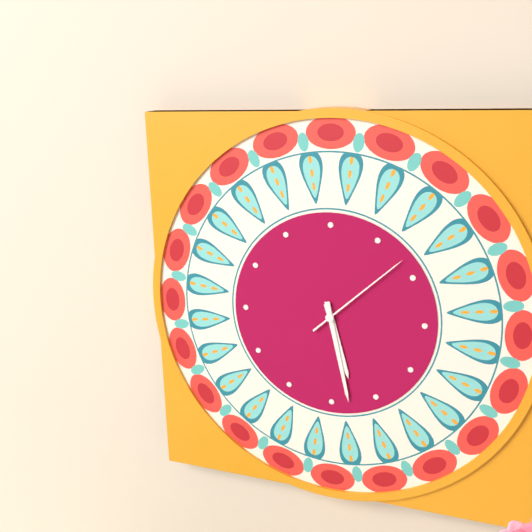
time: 5:28:08
